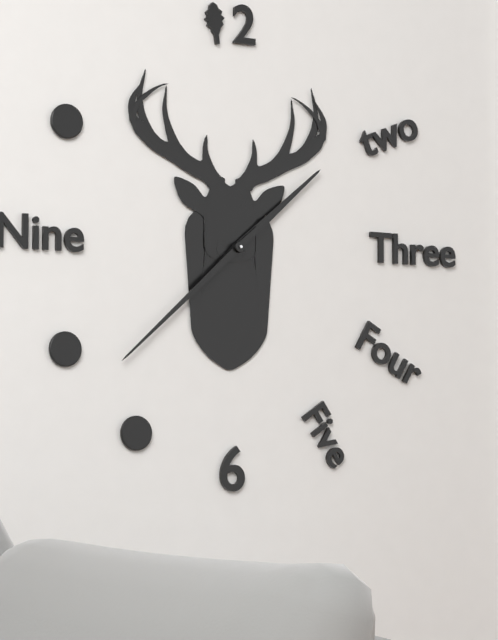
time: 1:38
